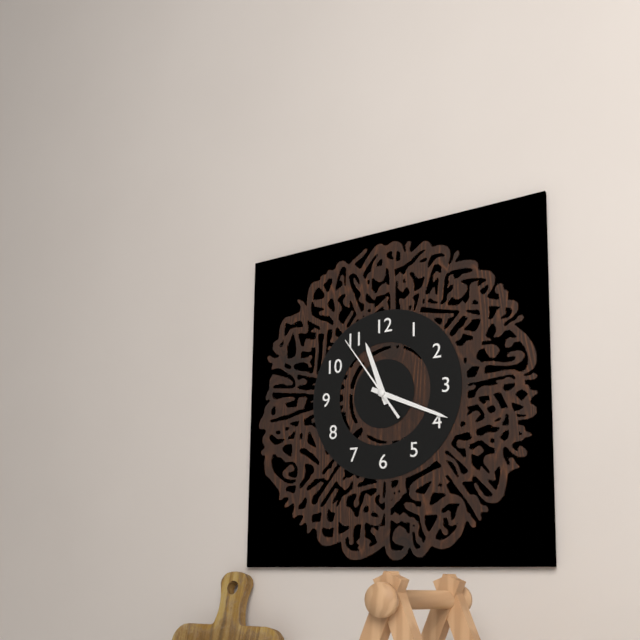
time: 11:19:54
